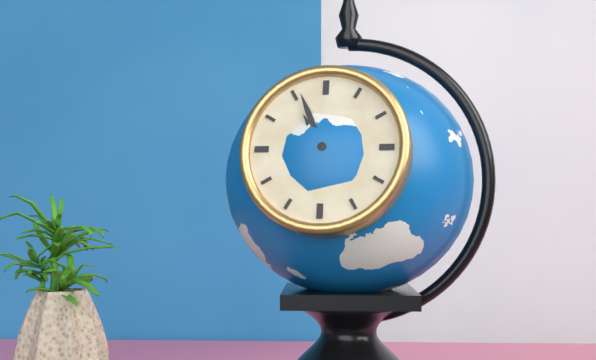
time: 10:56
